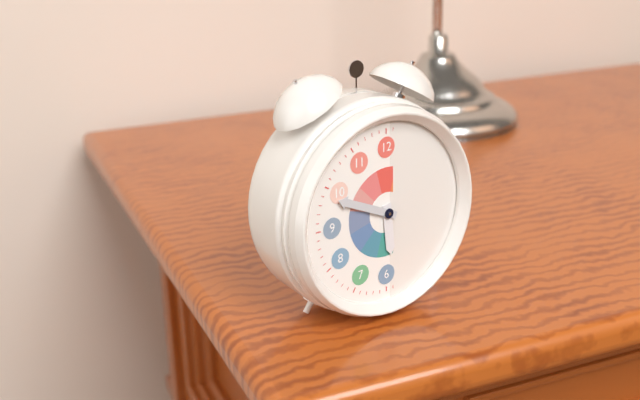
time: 5:49
